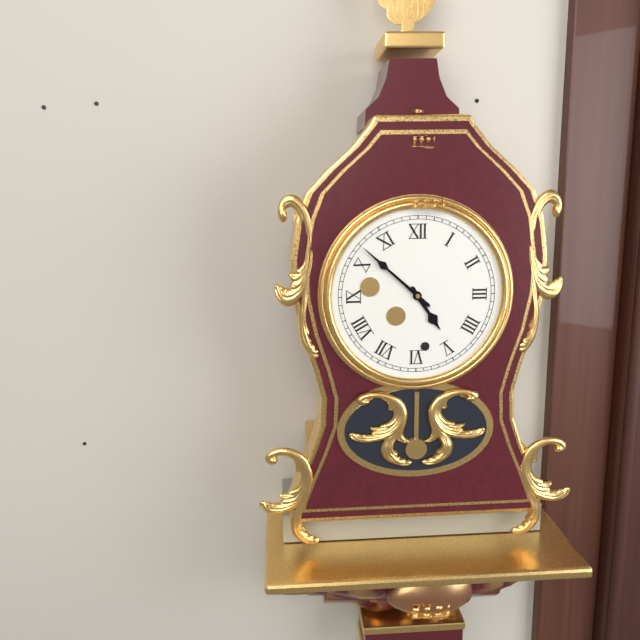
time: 4:52
